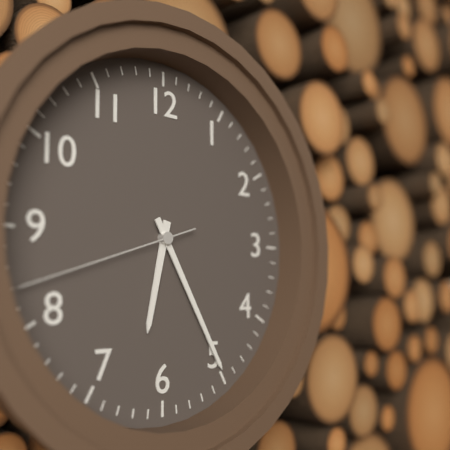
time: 6:25:42
